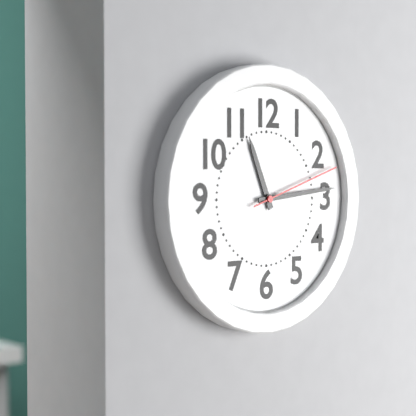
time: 11:14:12
